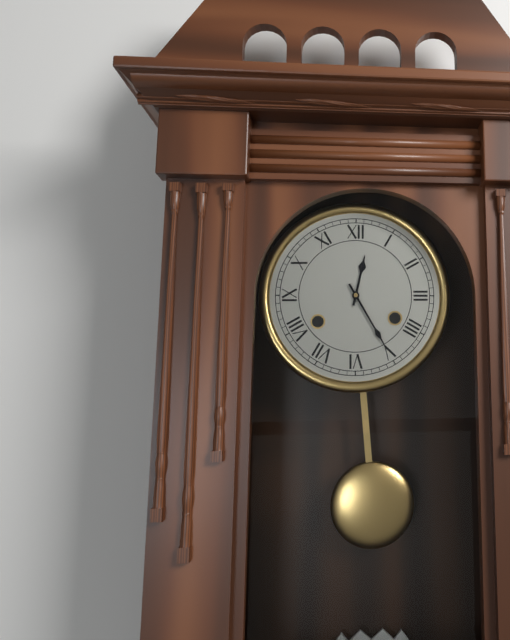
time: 12:25
